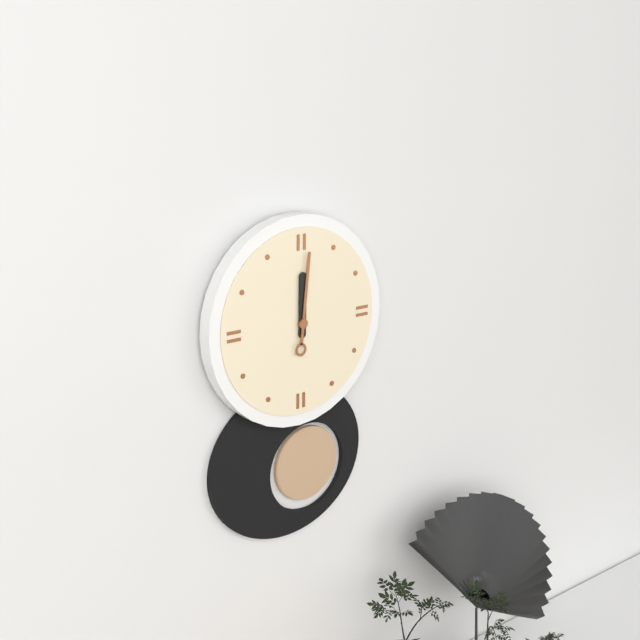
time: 12:01
